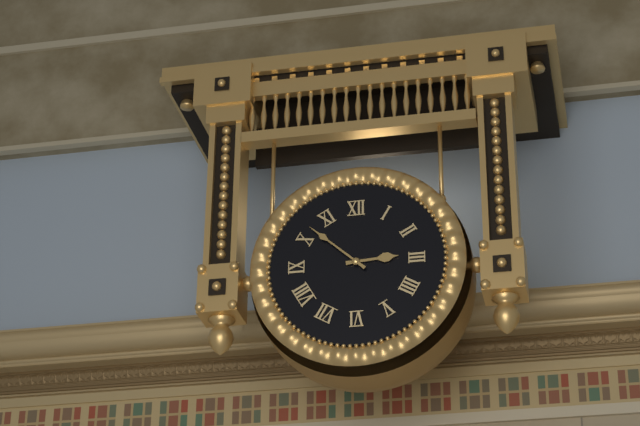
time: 2:52
